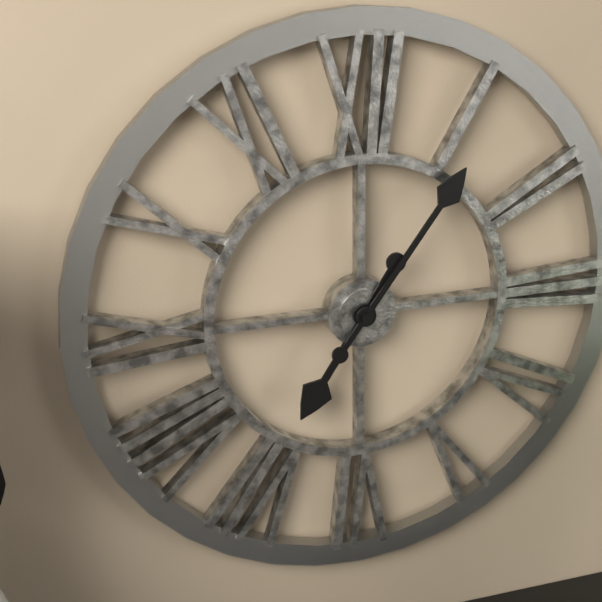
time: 7:06
